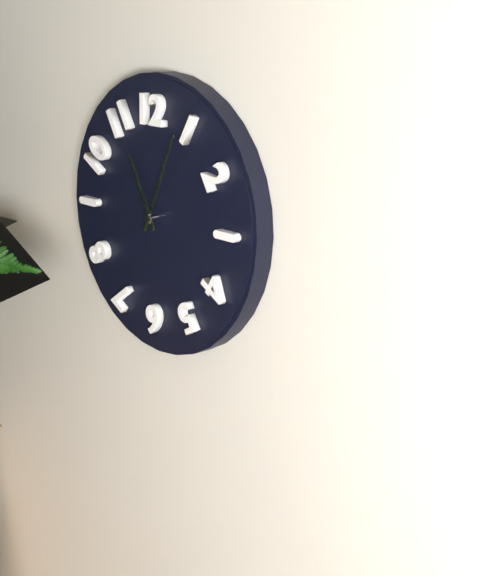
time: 11:04
